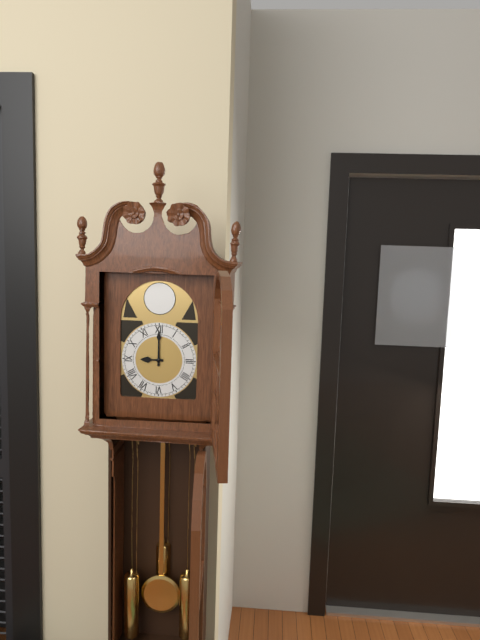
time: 9:00
